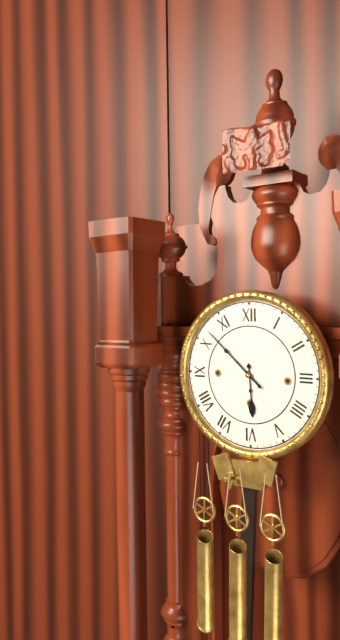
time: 5:52
